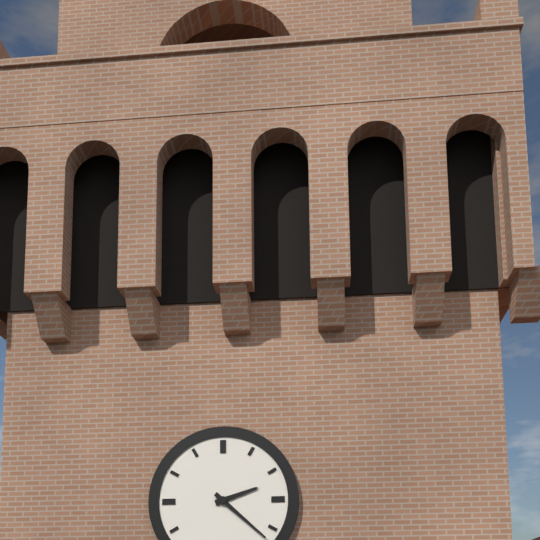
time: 2:22
